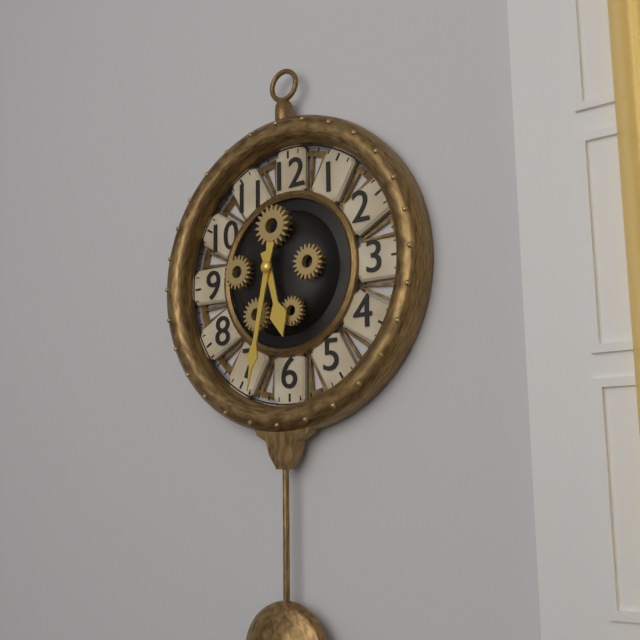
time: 5:32
